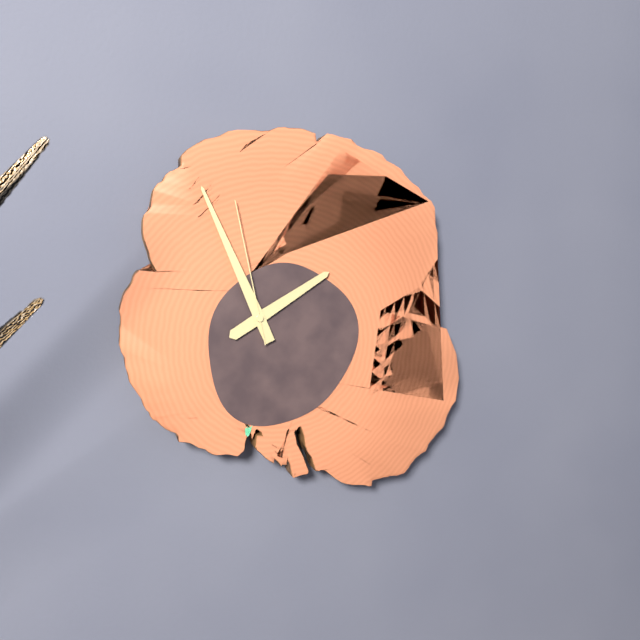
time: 1:56:58
